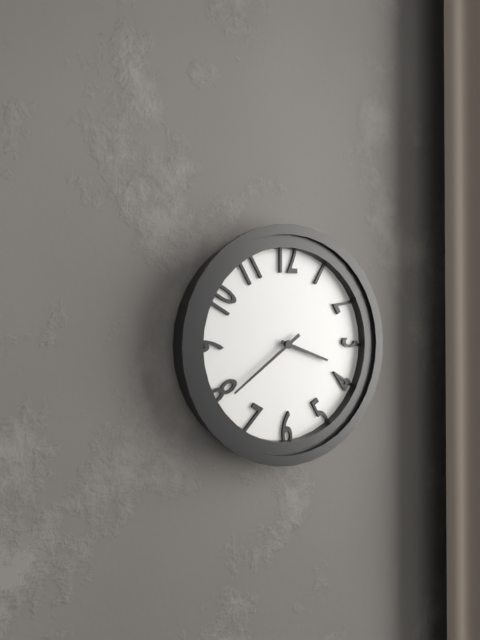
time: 3:39
